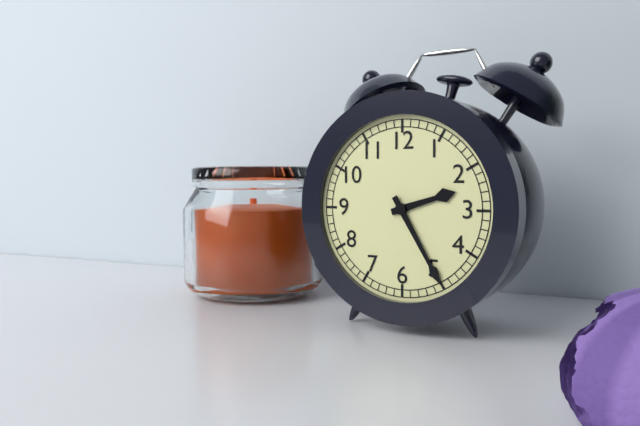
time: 2:25
